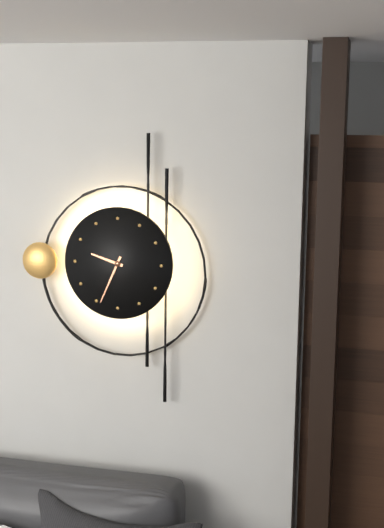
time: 9:34
